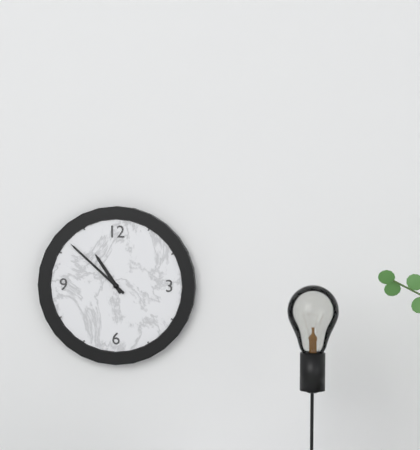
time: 10:52
